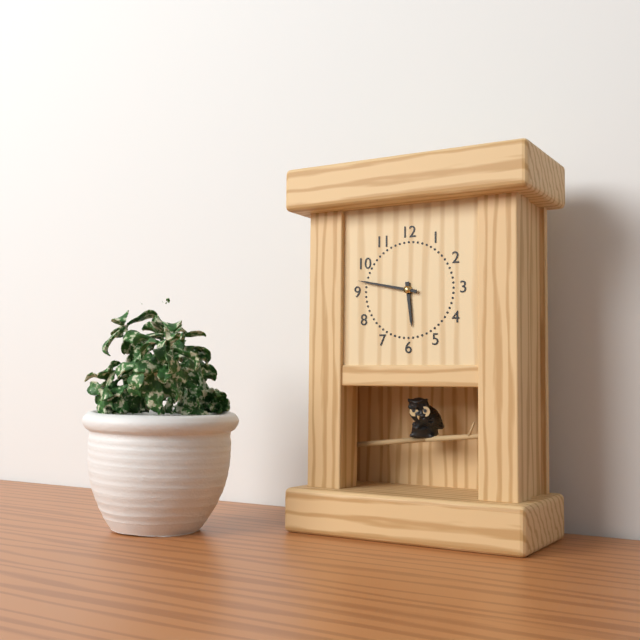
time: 5:47
